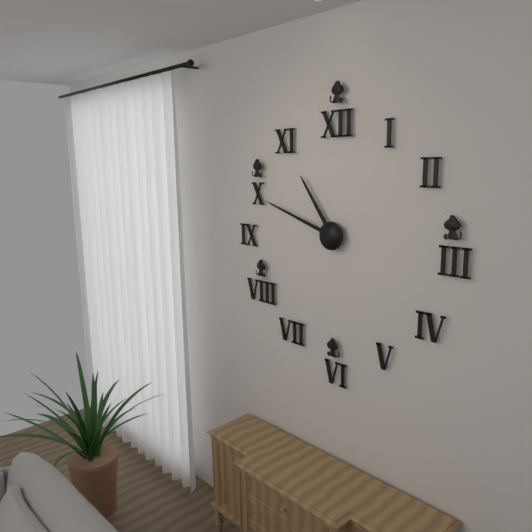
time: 10:48
